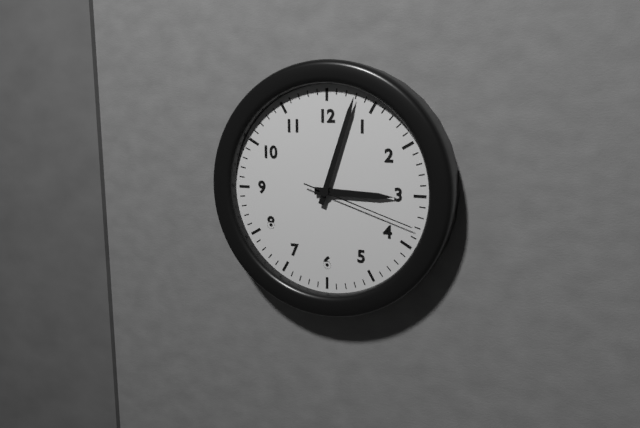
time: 3:03:18
